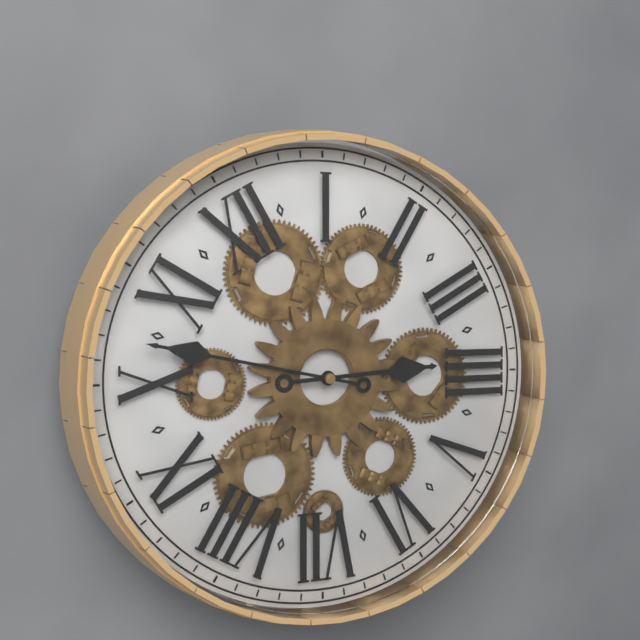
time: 3:52
